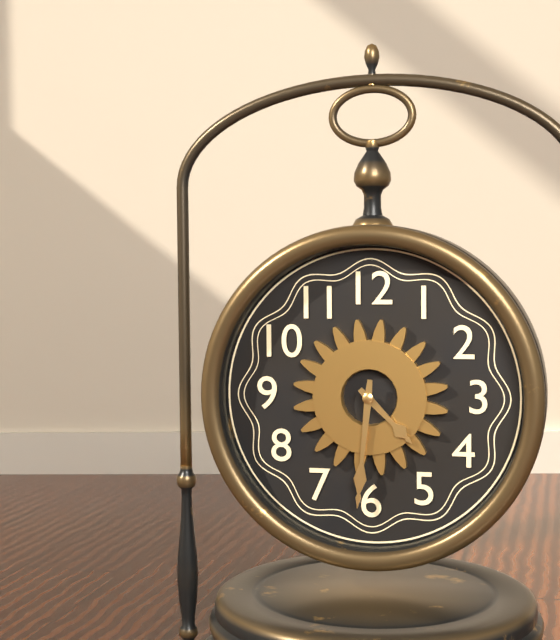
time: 4:31
